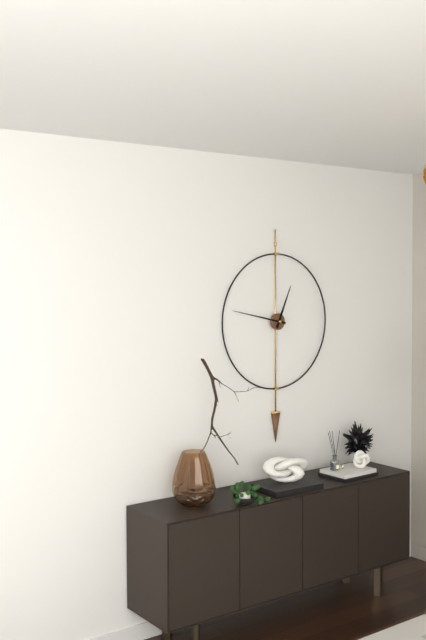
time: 12:47
